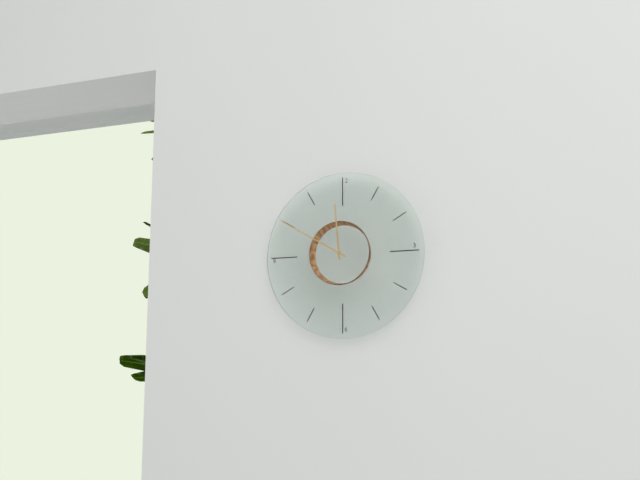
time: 11:50
